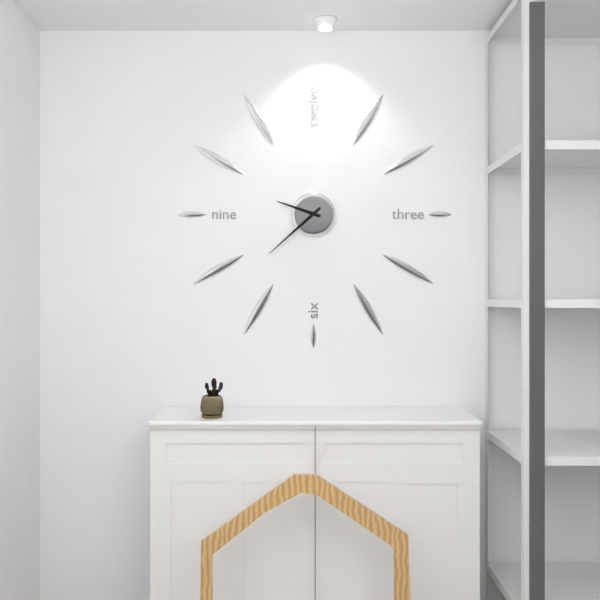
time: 9:38
